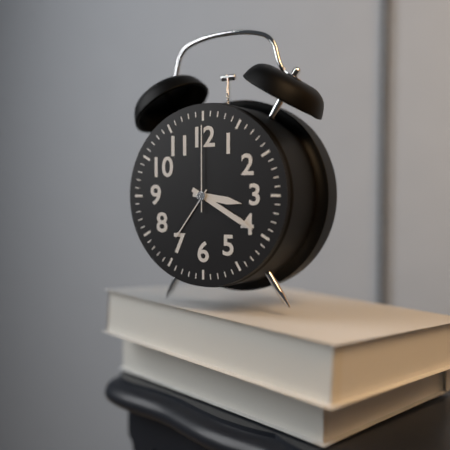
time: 3:20:00
